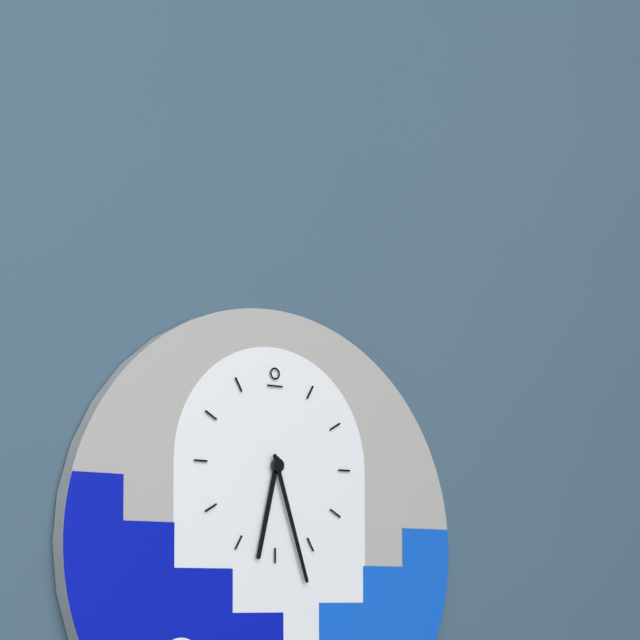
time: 6:27
